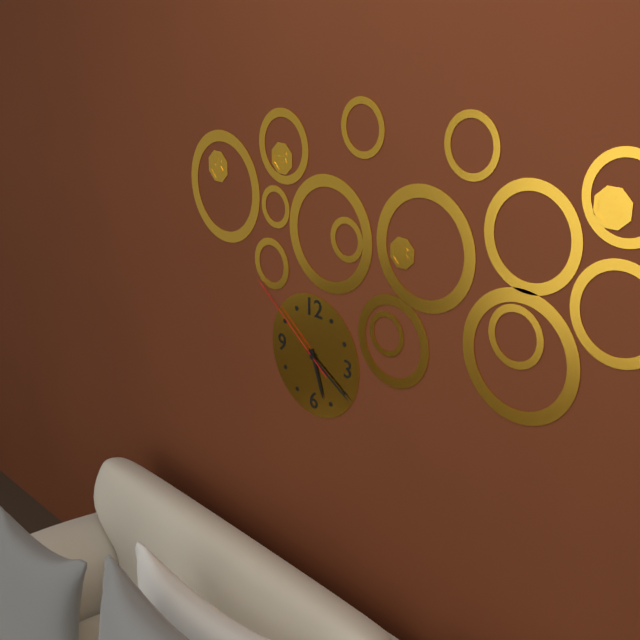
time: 5:20:51
